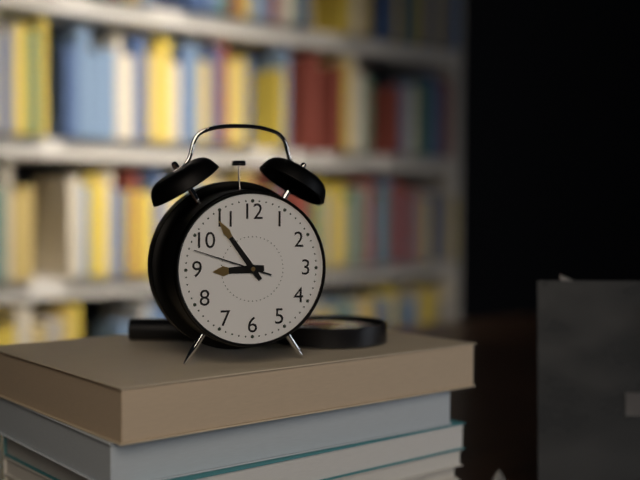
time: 8:54:48
